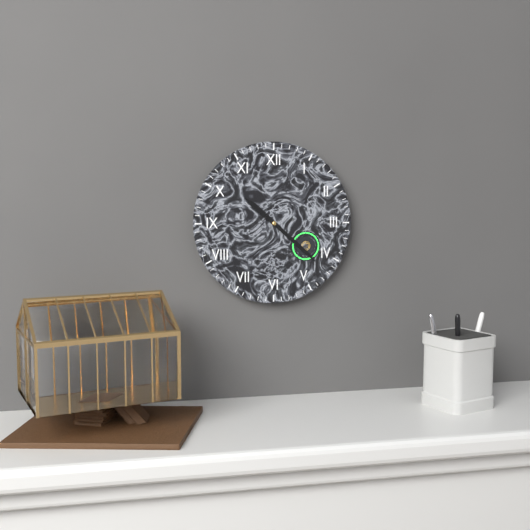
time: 10:22
